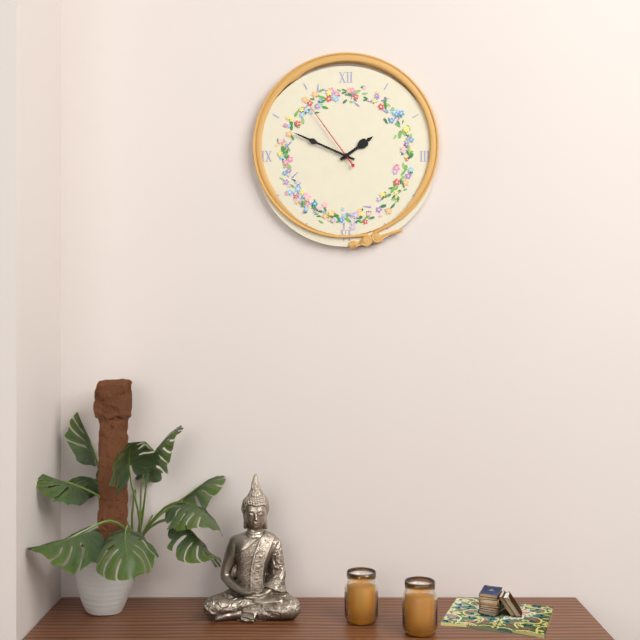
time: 1:49:54
